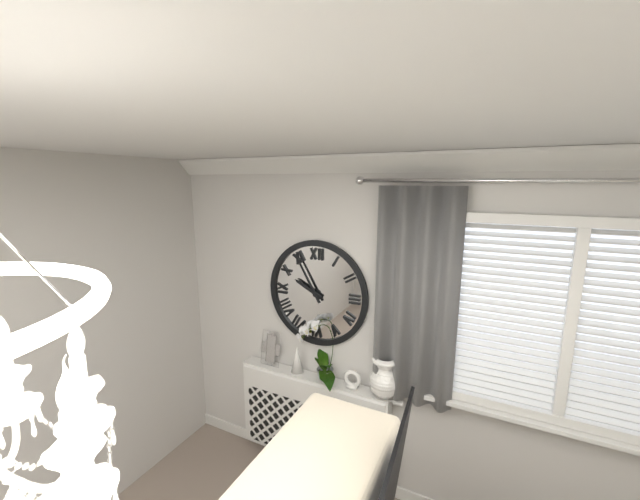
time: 9:55
